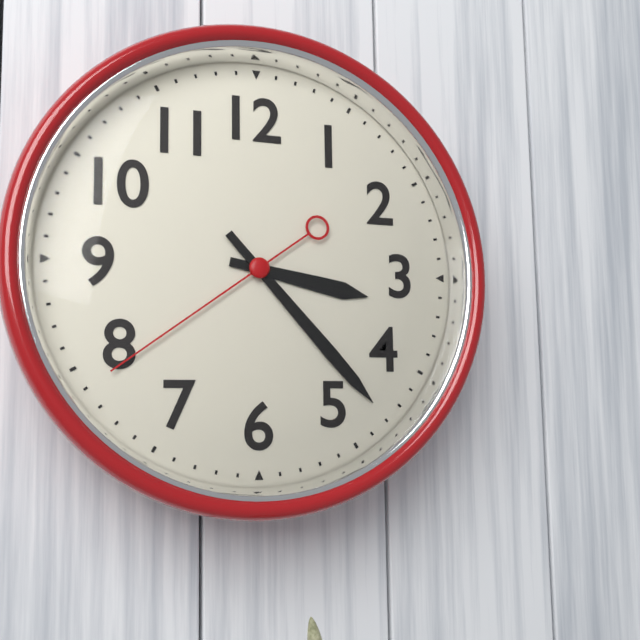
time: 3:23:39
